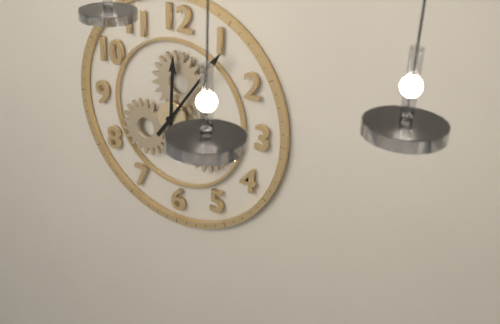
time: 12:06
